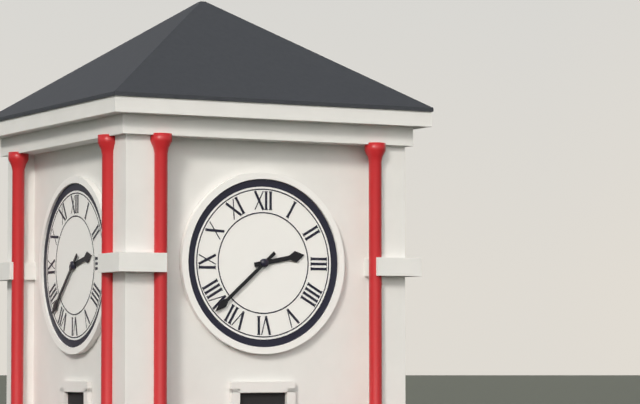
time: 2:38
